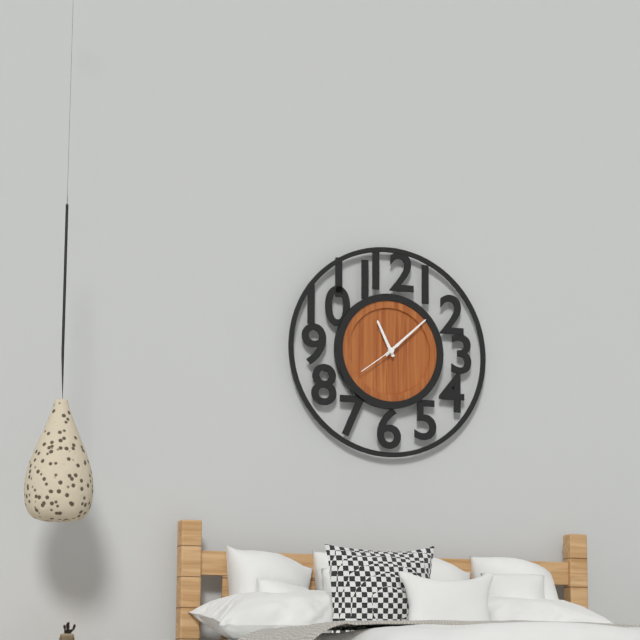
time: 11:08
